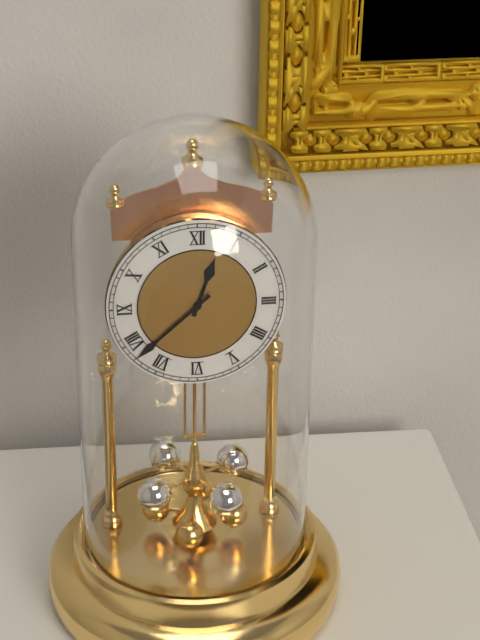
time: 12:38
